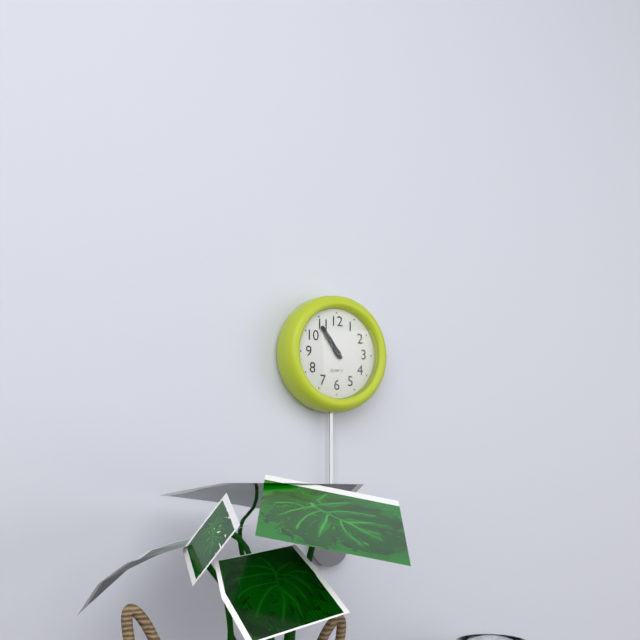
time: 10:54
